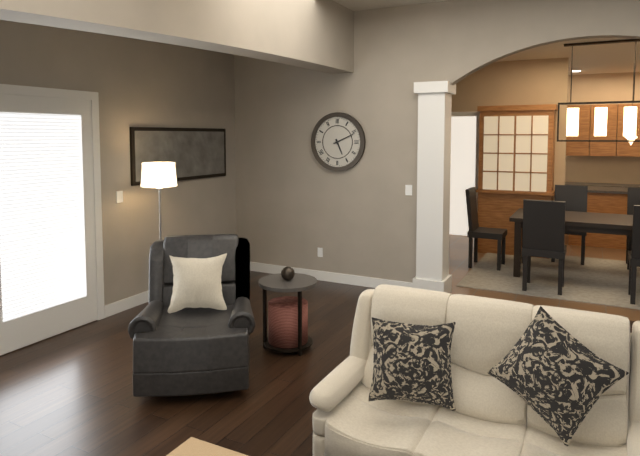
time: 5:11
